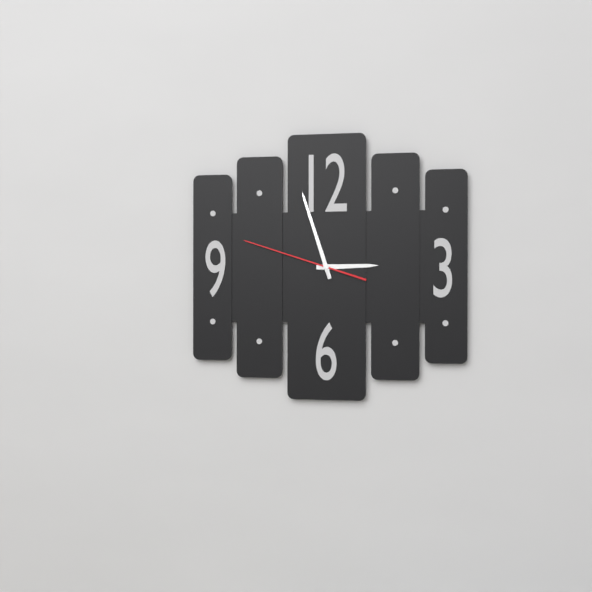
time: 2:57:48
